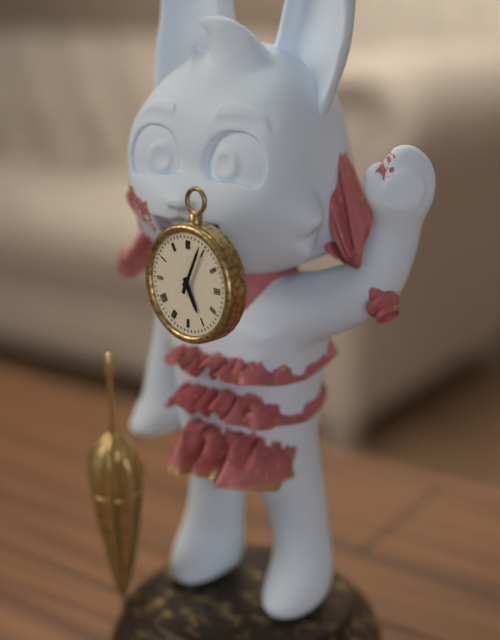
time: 5:04
